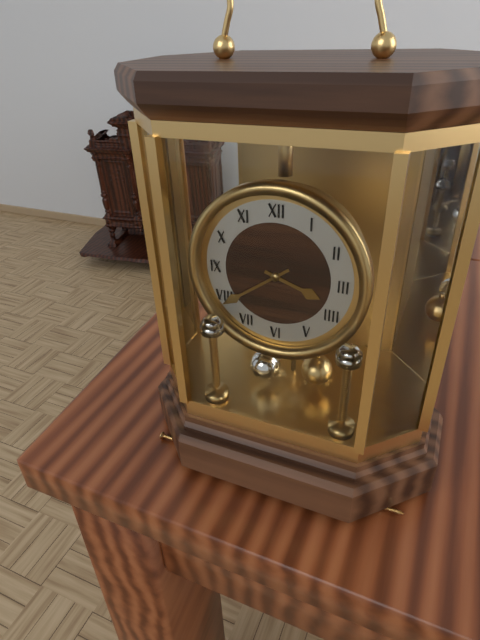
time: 3:39
